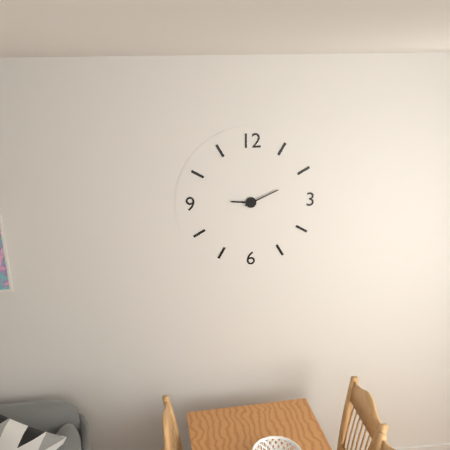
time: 9:11
